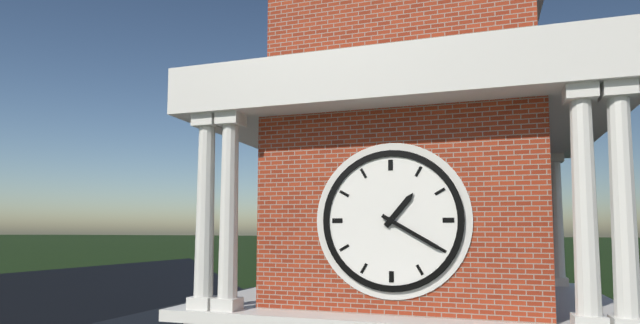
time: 1:20
